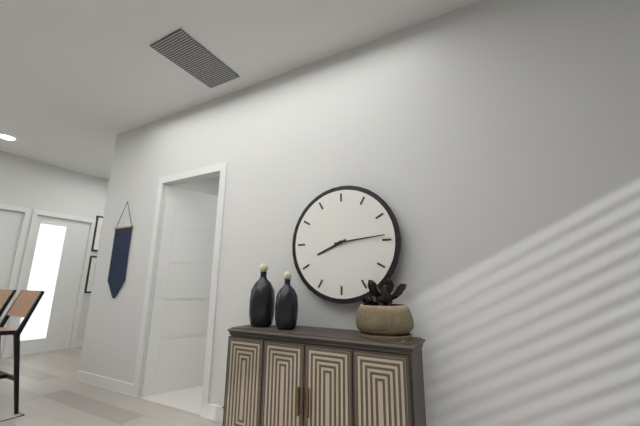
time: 8:14
